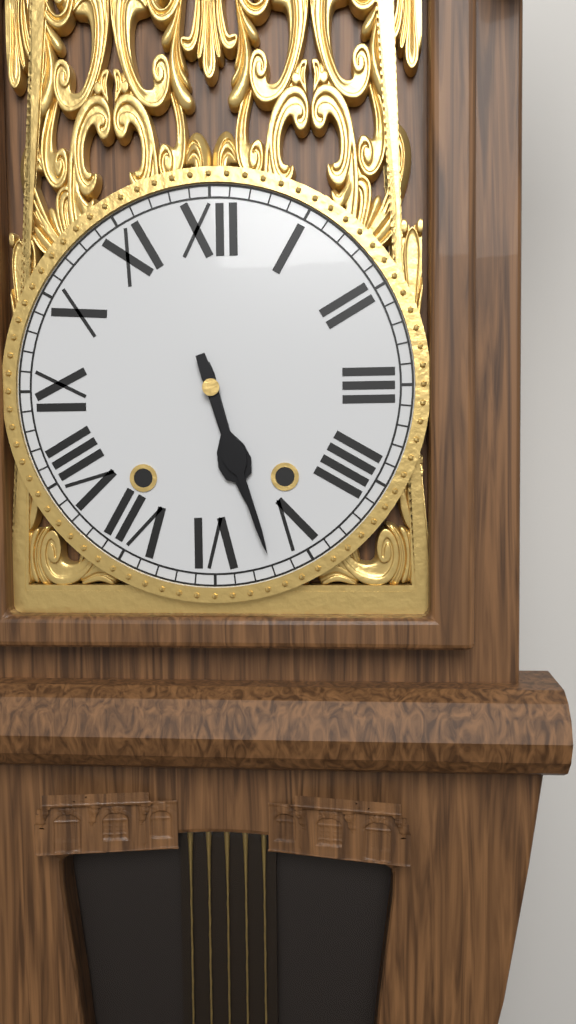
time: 5:27
